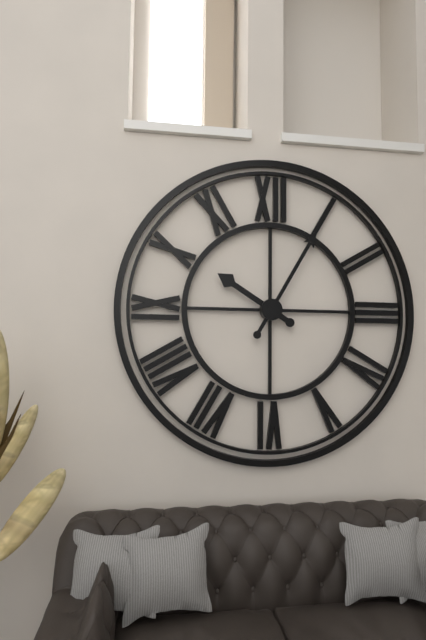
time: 10:05
